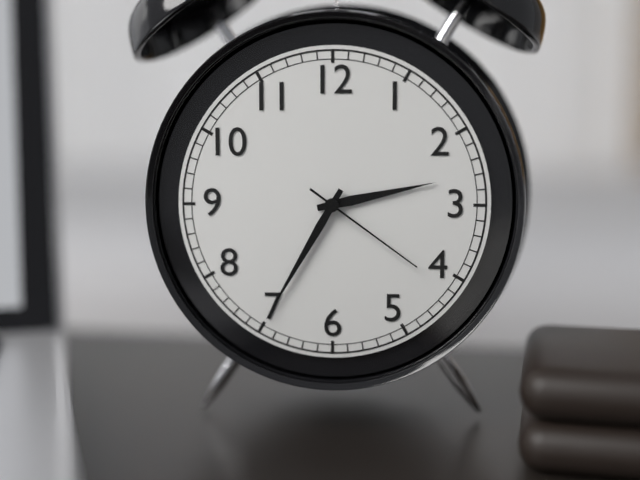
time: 2:35:21
